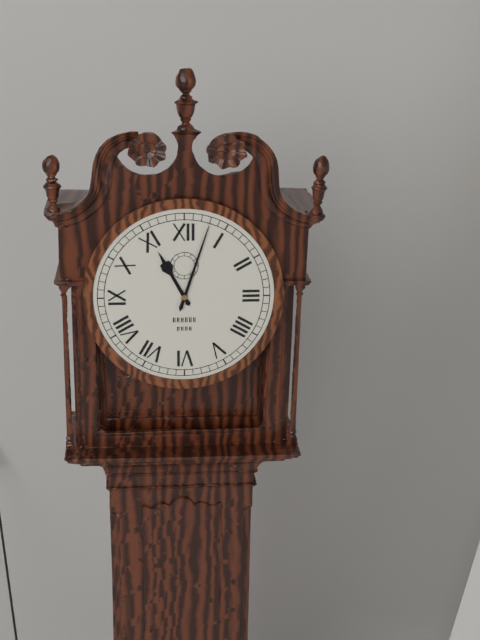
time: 11:03
